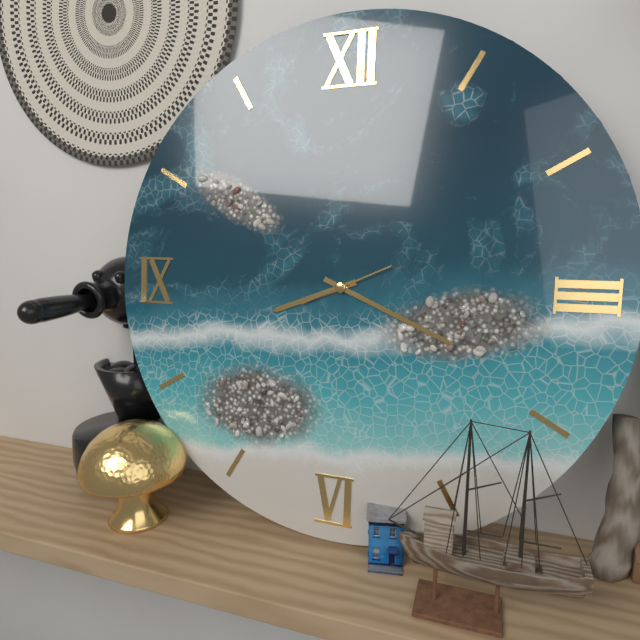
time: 8:19:11
